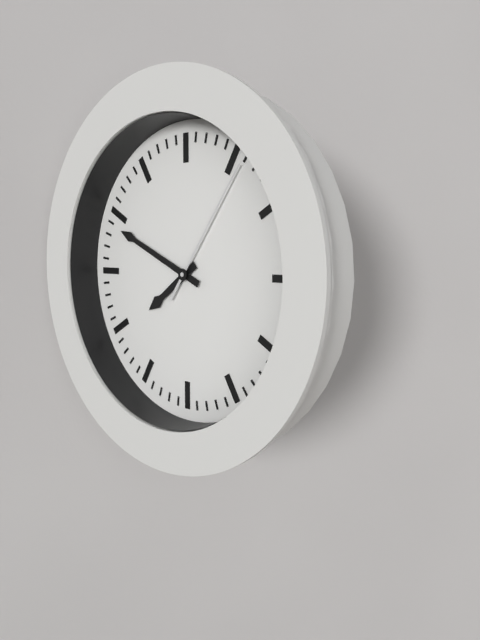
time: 7:49:06
